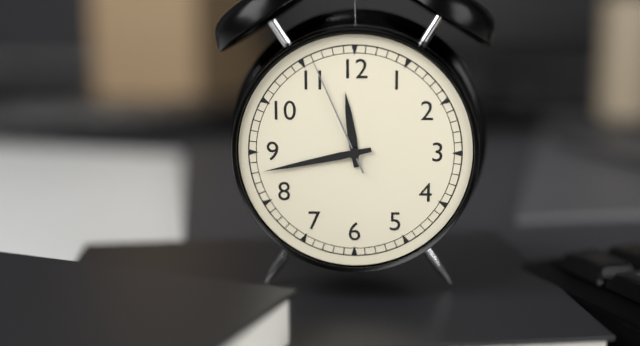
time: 11:43:56
